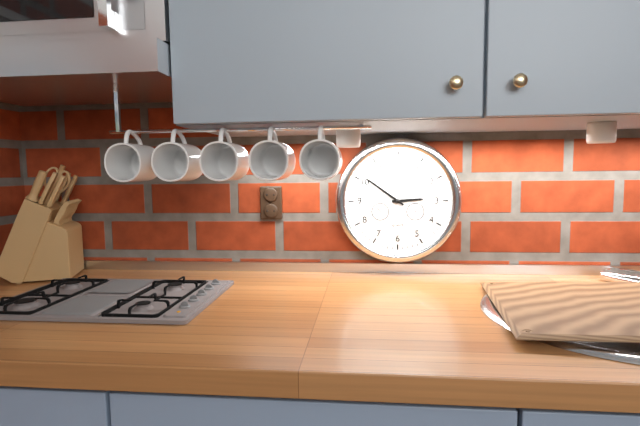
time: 2:51
